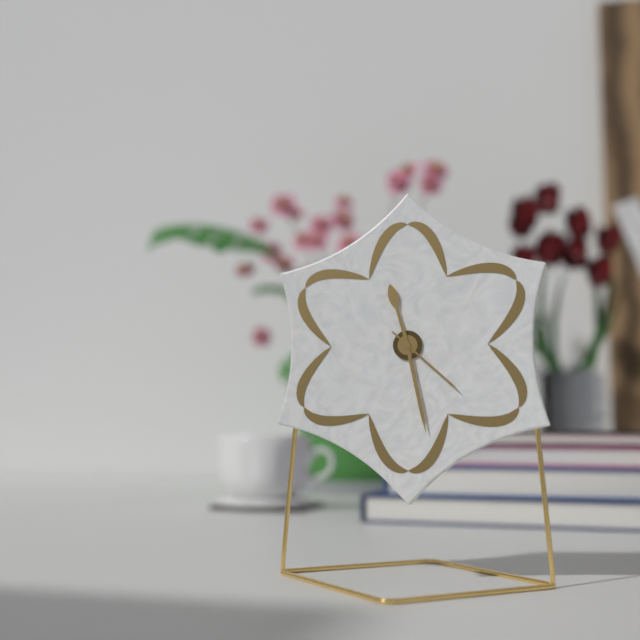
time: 11:28:22
